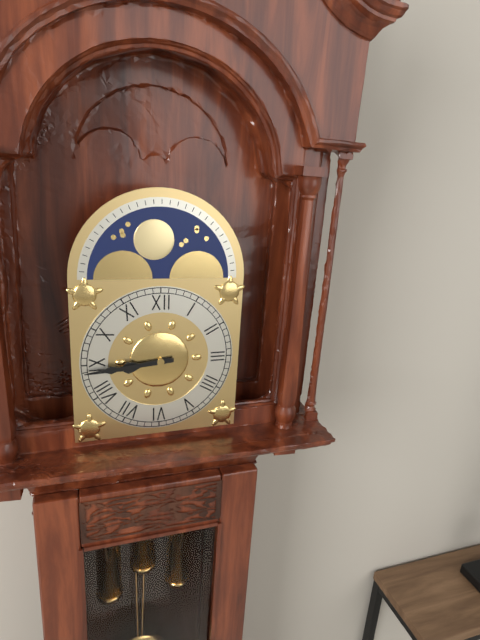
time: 8:44
